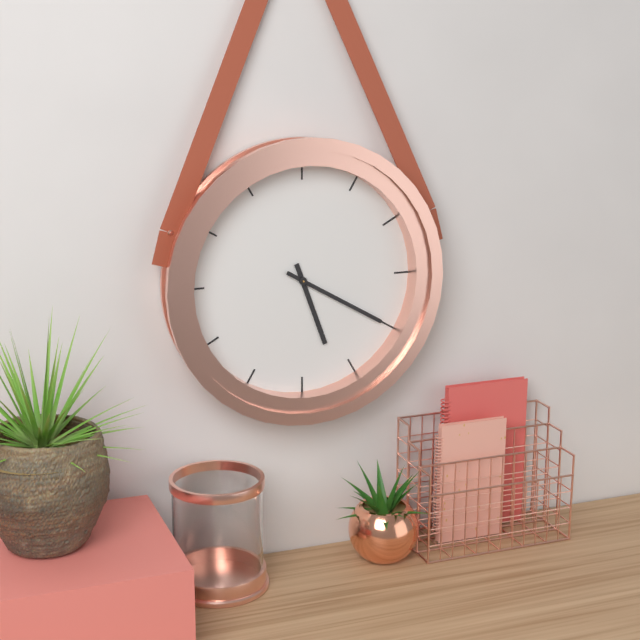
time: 5:20
